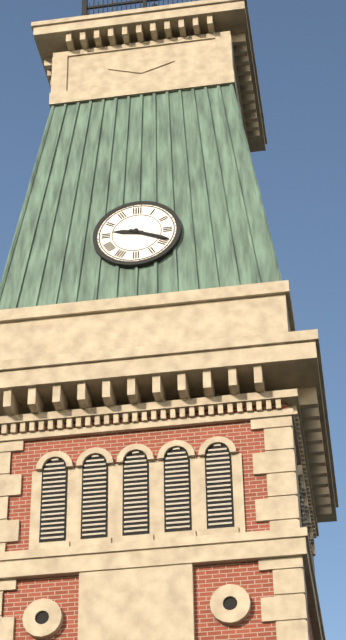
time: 9:19
